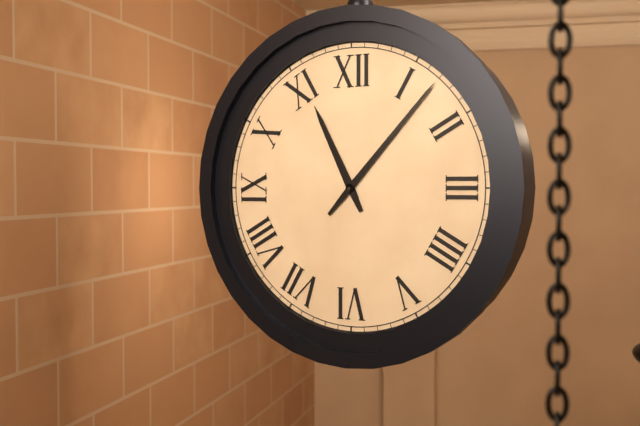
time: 11:07
